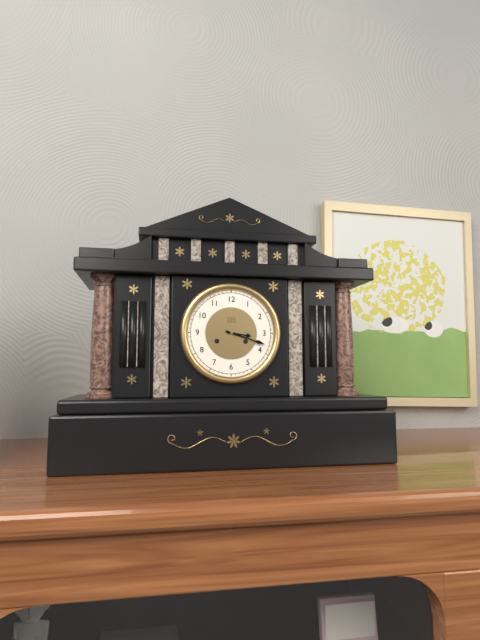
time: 3:18
